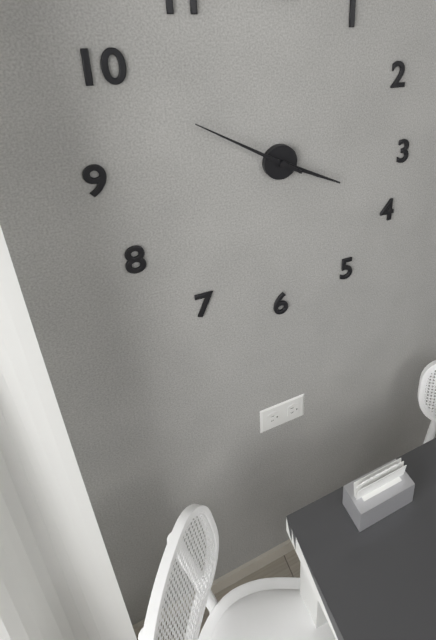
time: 3:50
